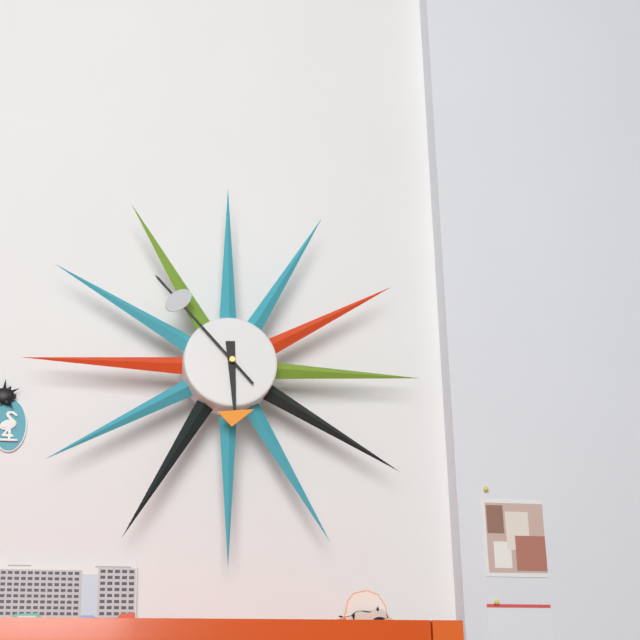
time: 5:53
